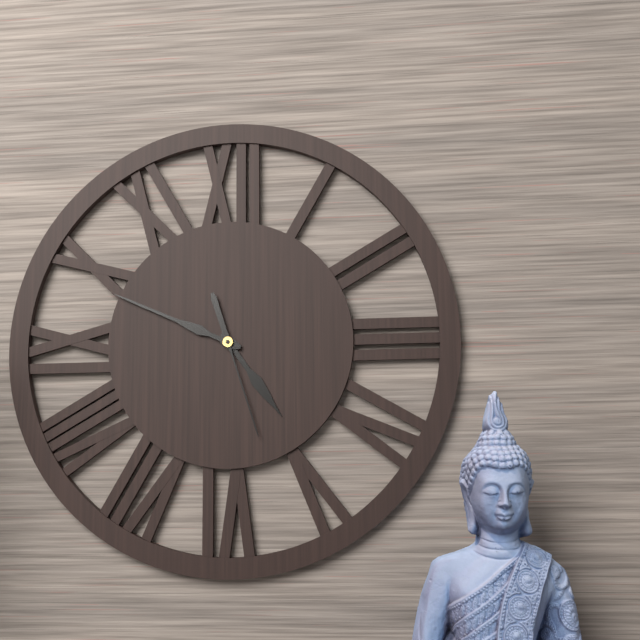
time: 4:49:27
